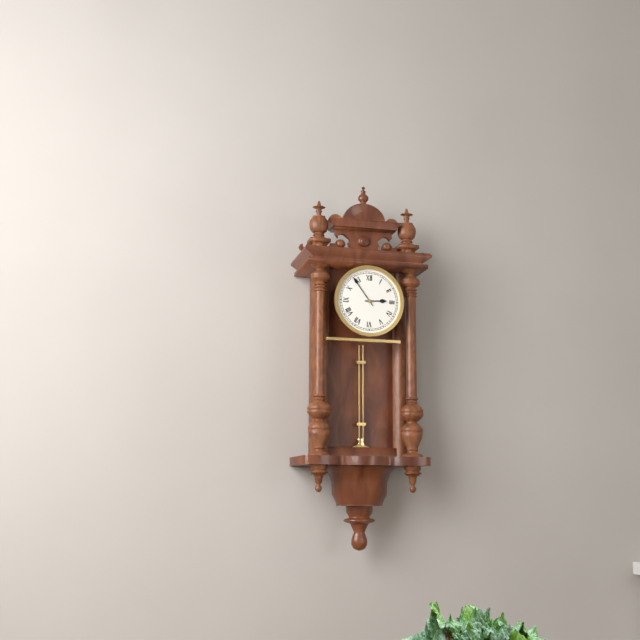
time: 2:54
